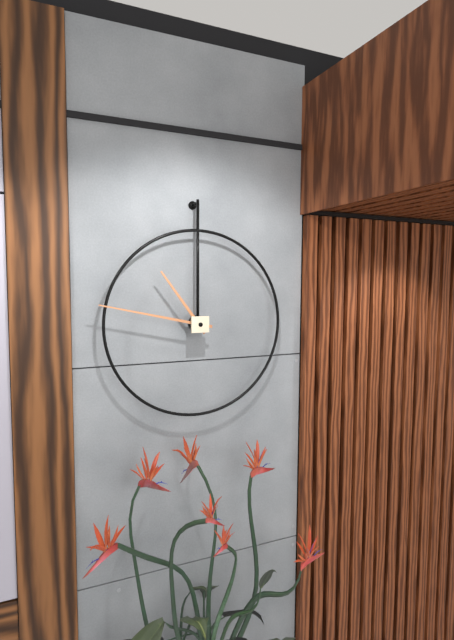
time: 10:47
